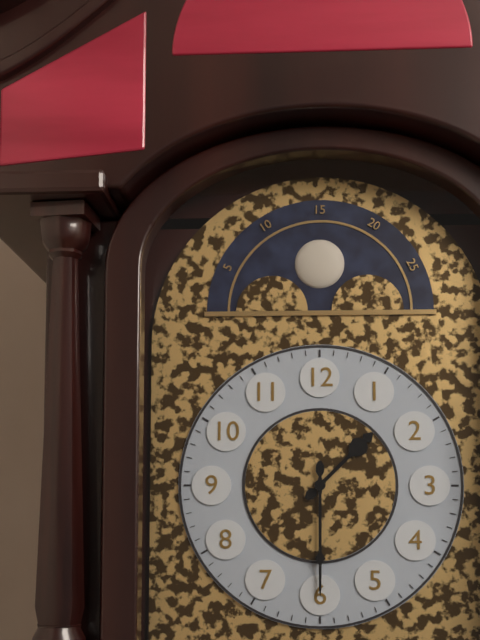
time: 1:30
